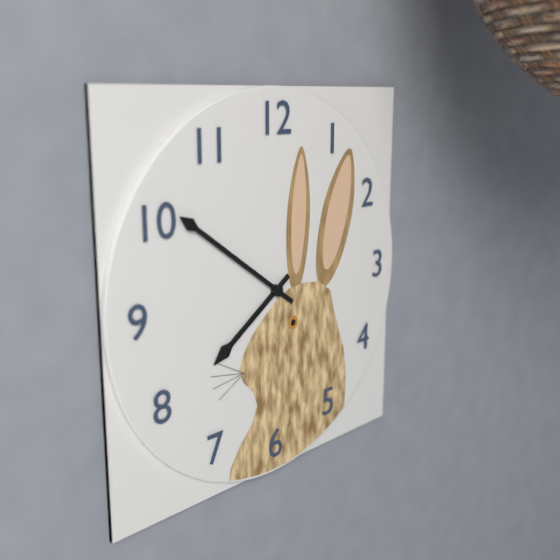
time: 7:51
